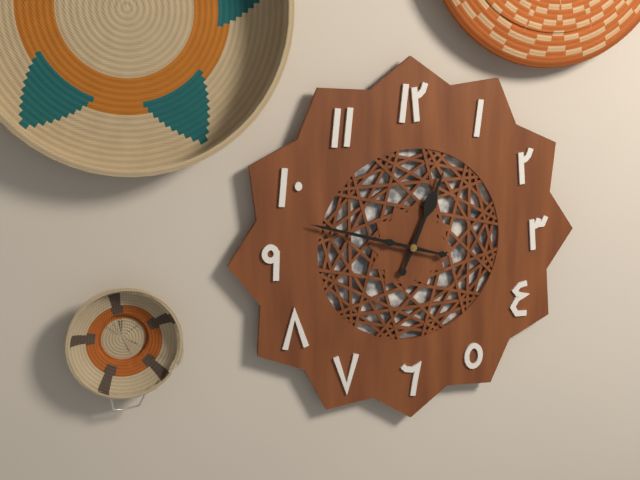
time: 12:48
